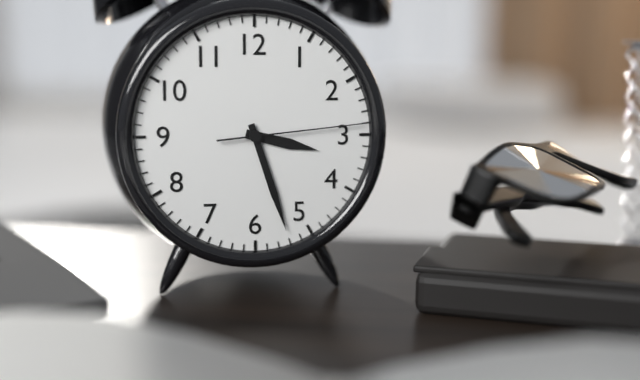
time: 3:27:14
